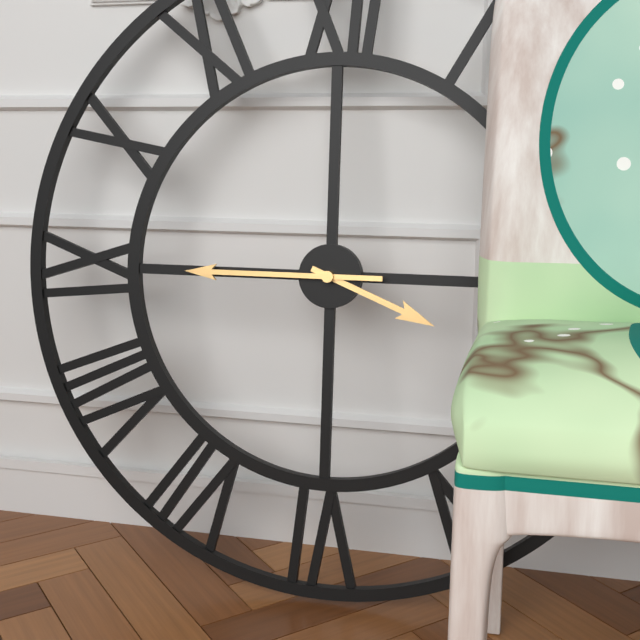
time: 3:45
